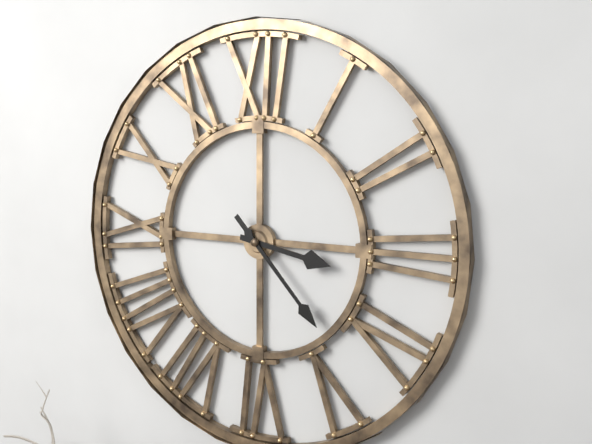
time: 3:23
